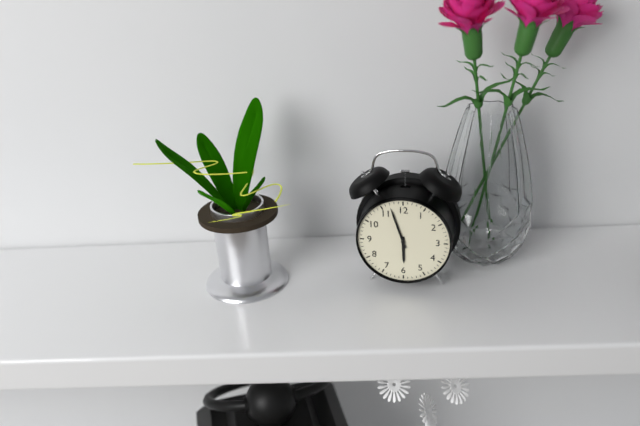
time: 5:57
